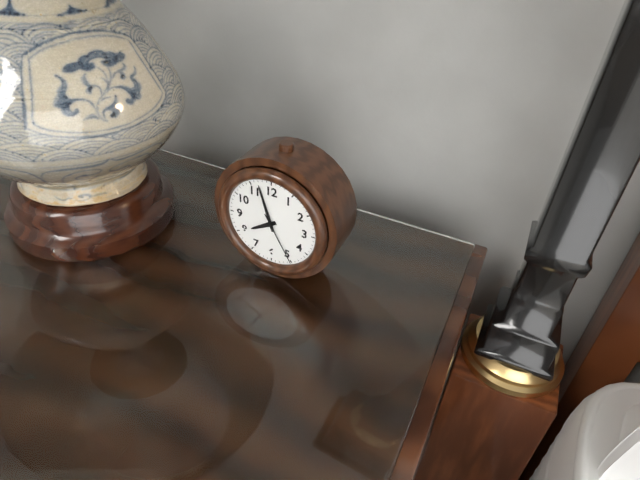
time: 7:57:25
